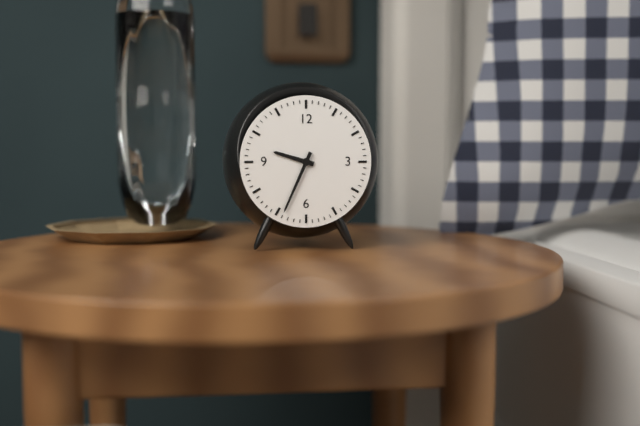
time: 9:34
